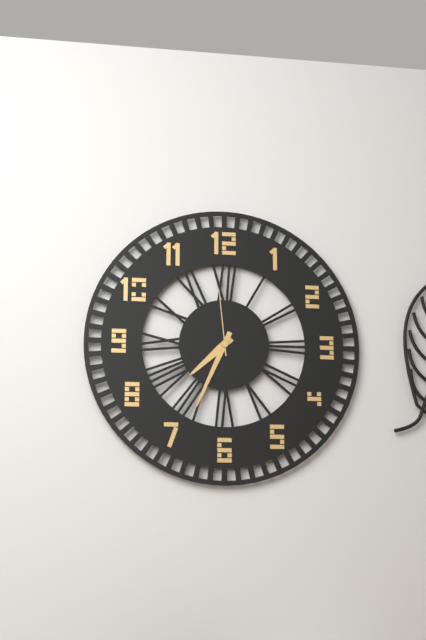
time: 7:34:59
